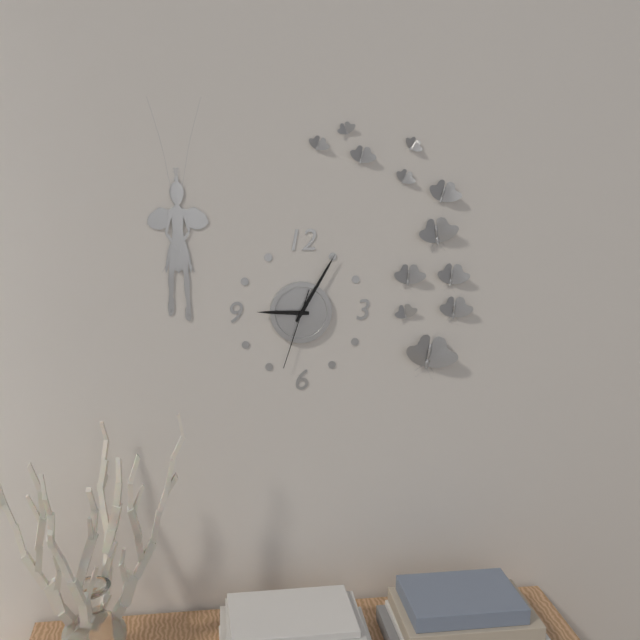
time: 9:05:33
